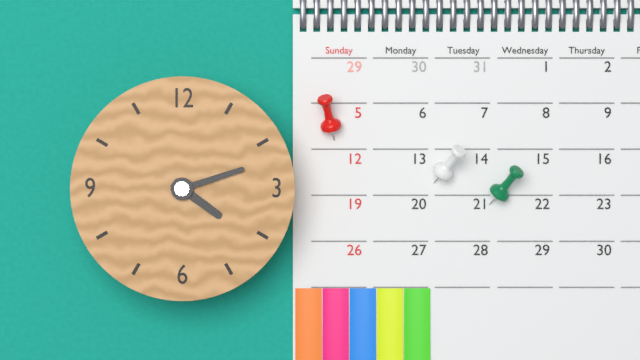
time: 4:12
